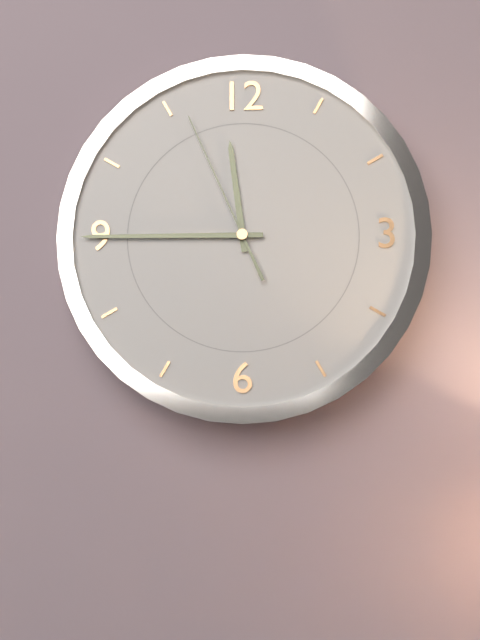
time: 11:45:56
